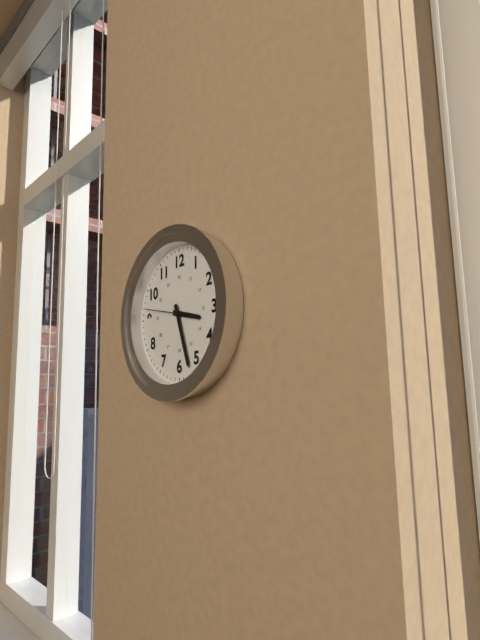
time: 3:27
